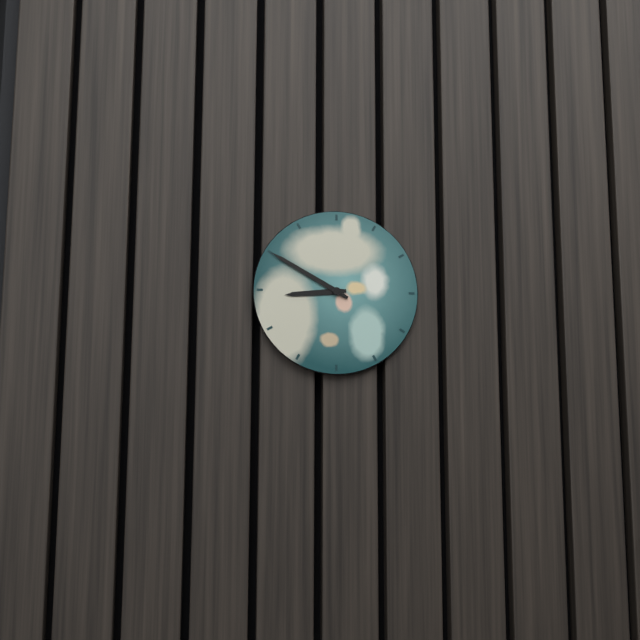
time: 8:50
